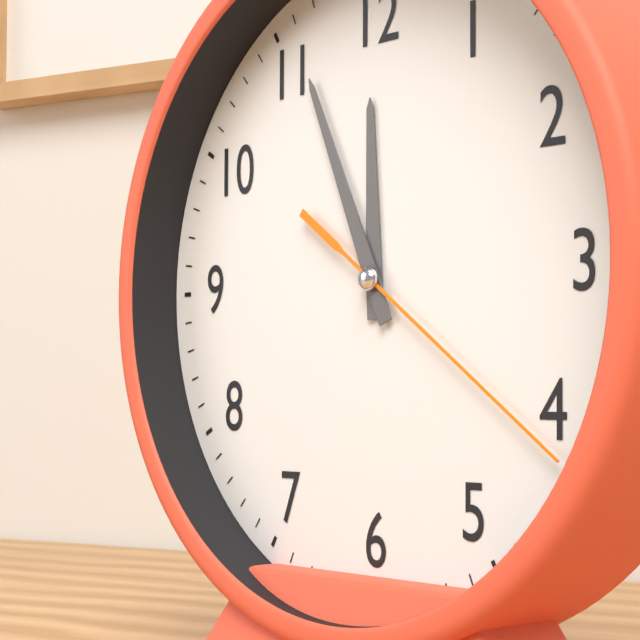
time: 11:56:21
